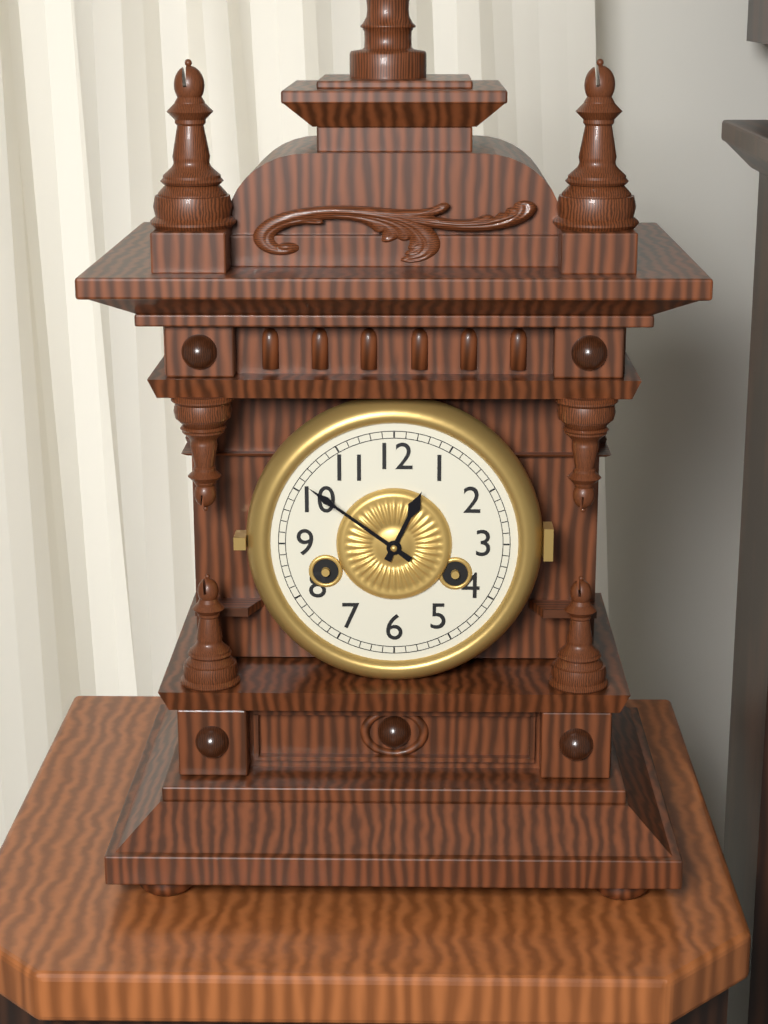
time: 12:51
